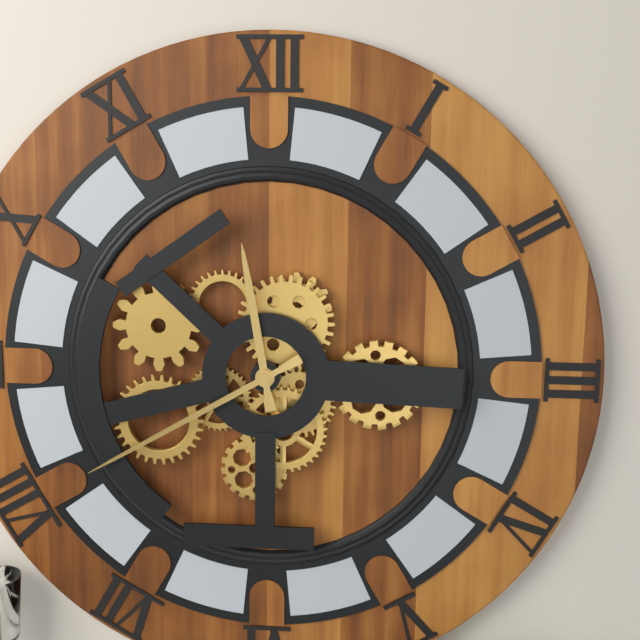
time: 11:40
